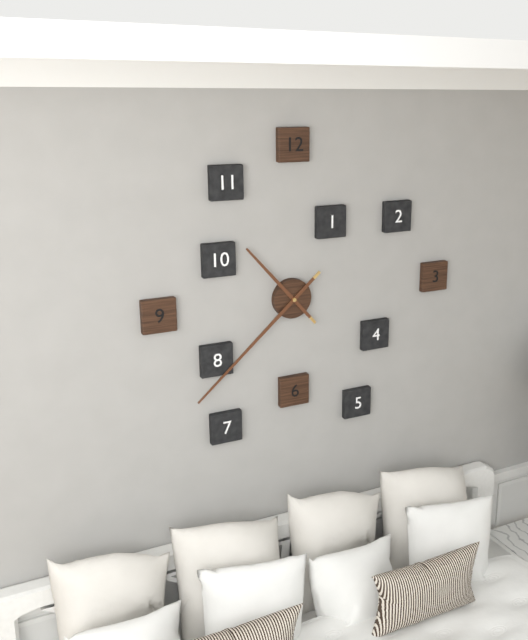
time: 10:38
